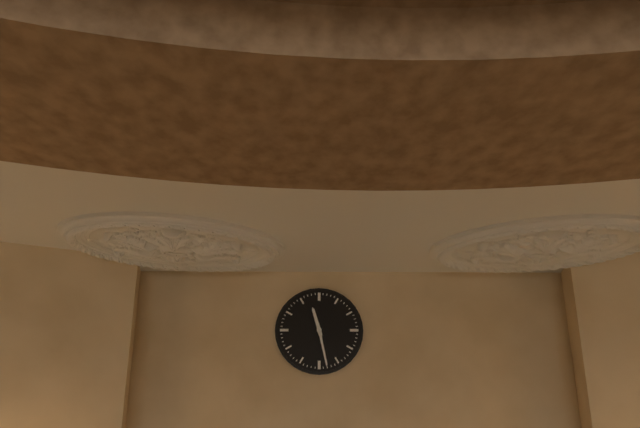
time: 11:28
